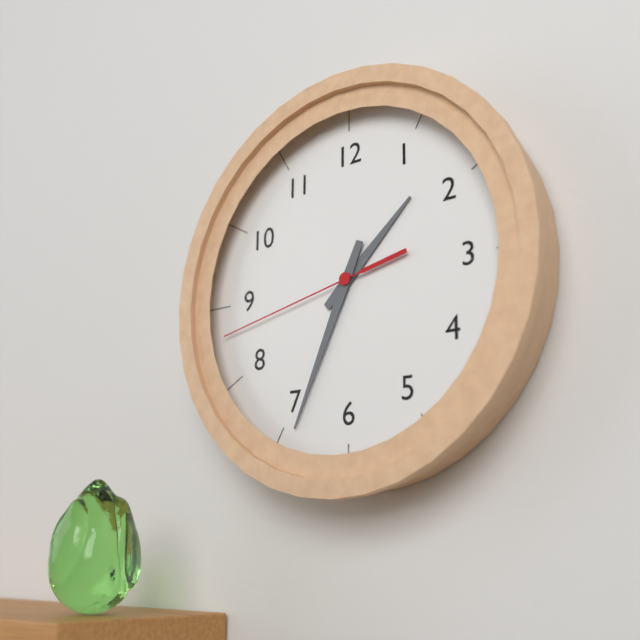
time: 1:34:43
